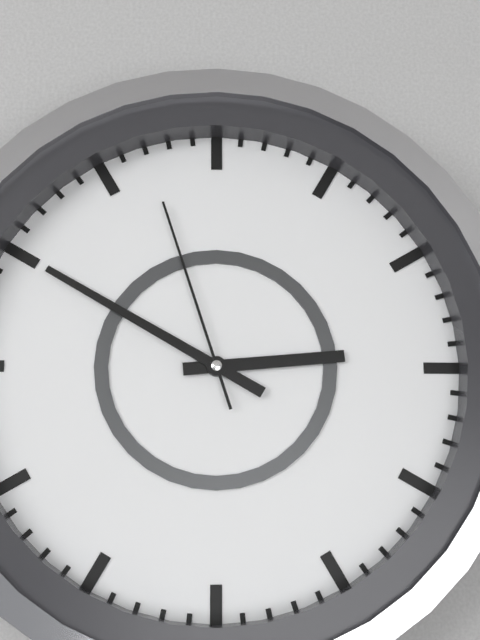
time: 2:50:57
